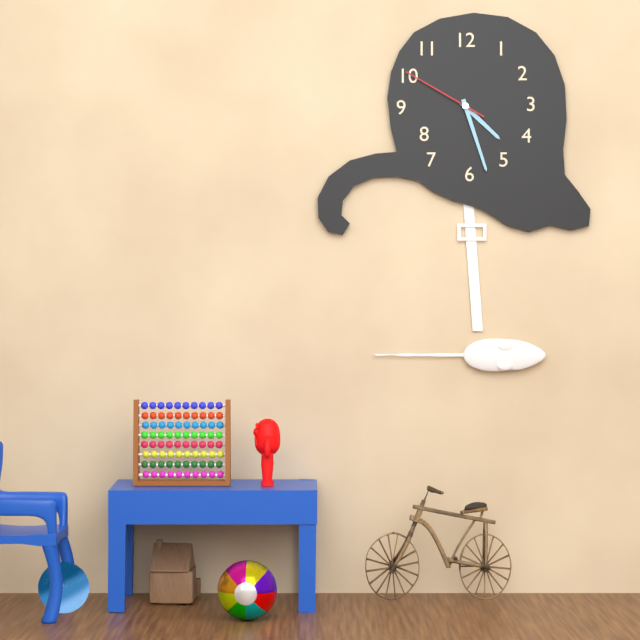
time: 4:27:50
